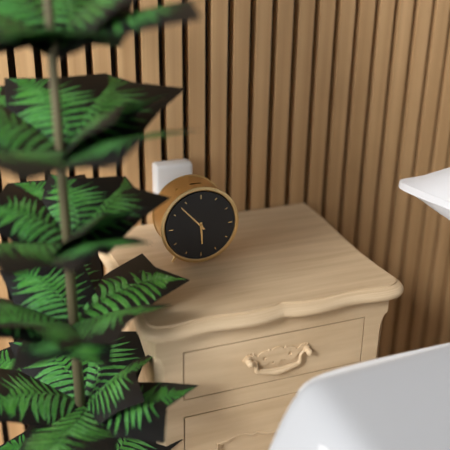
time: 5:53
